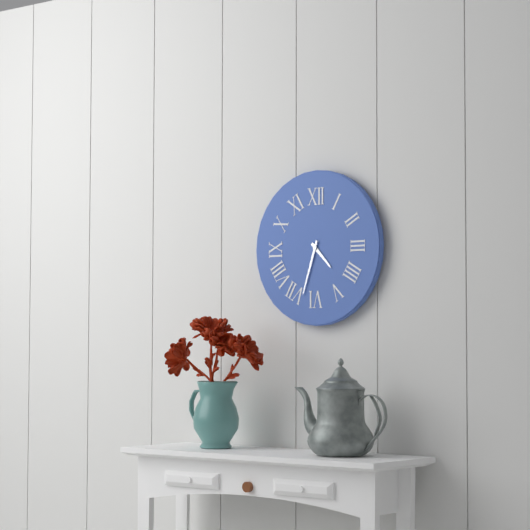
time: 4:33
